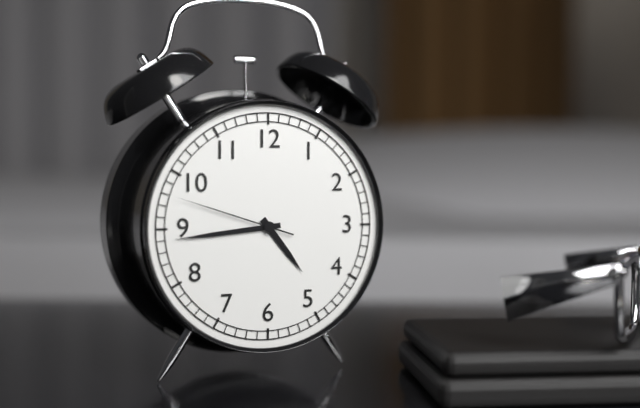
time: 4:44:48
